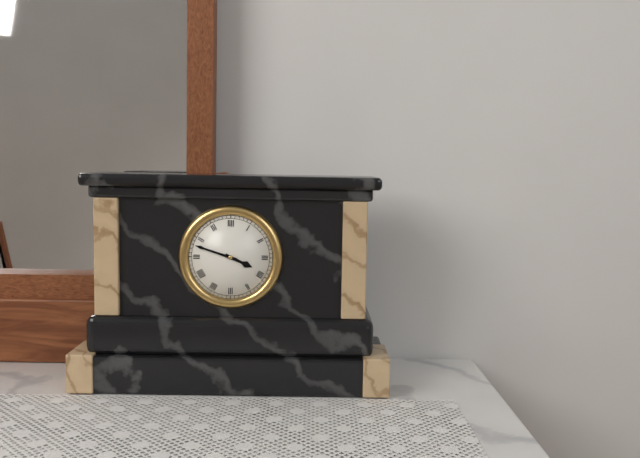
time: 3:48
